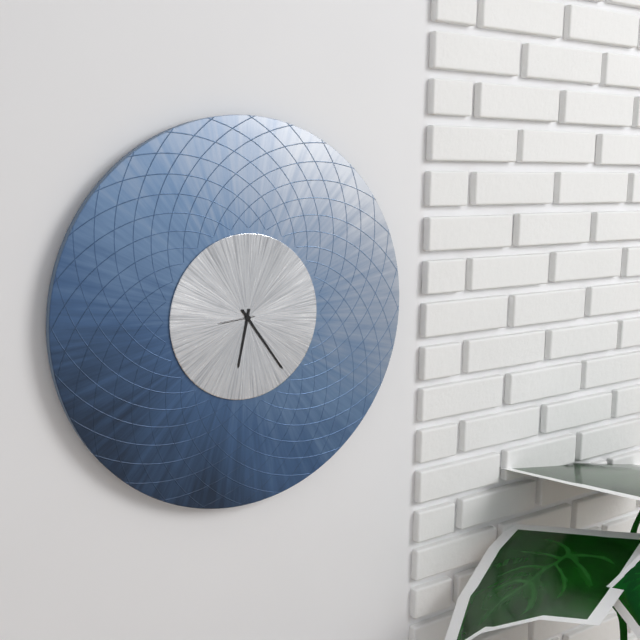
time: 6:24
